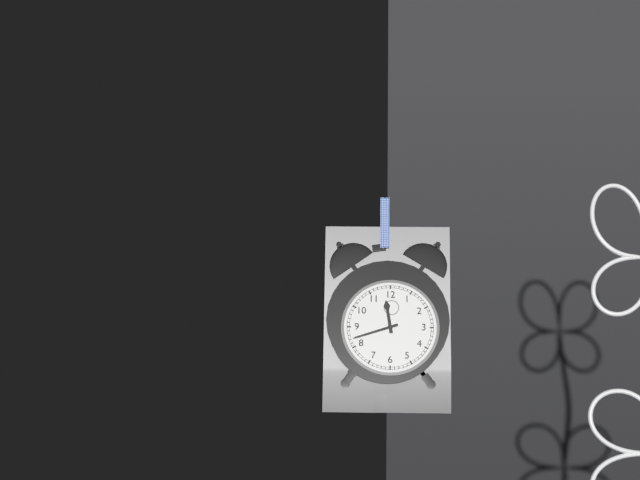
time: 11:42
